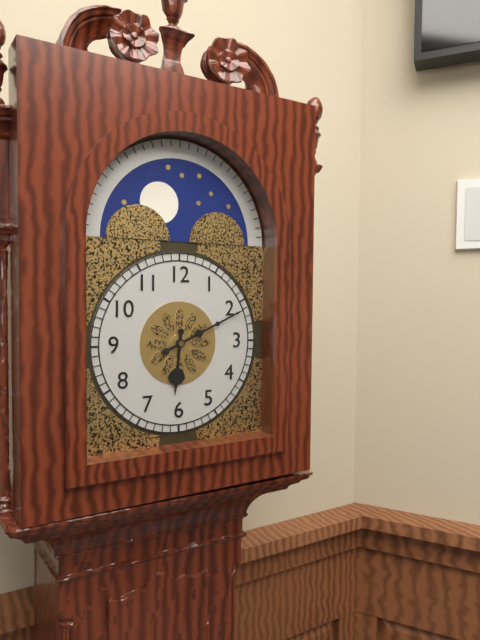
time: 6:11
